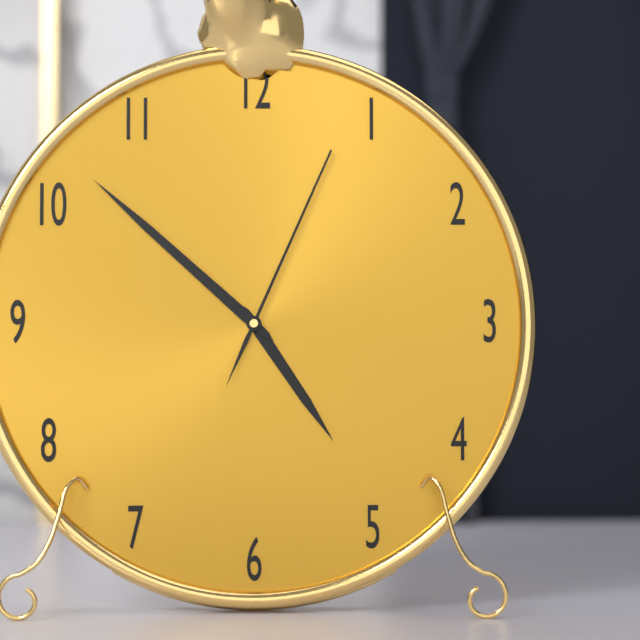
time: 4:52:04
